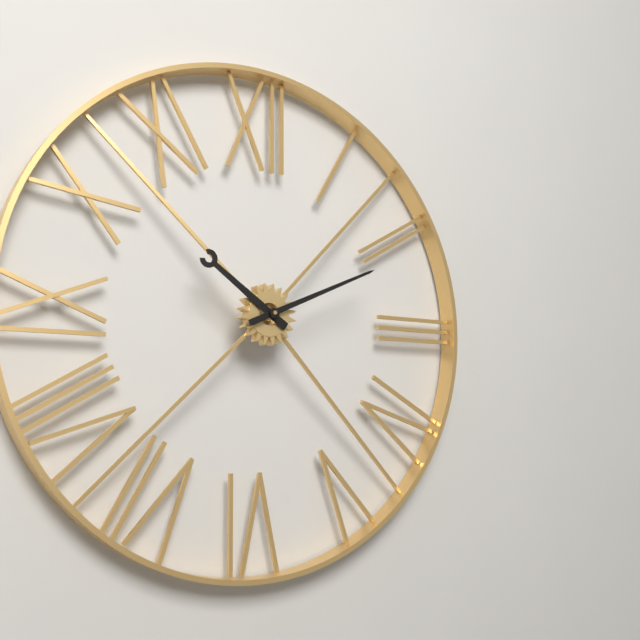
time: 10:11
